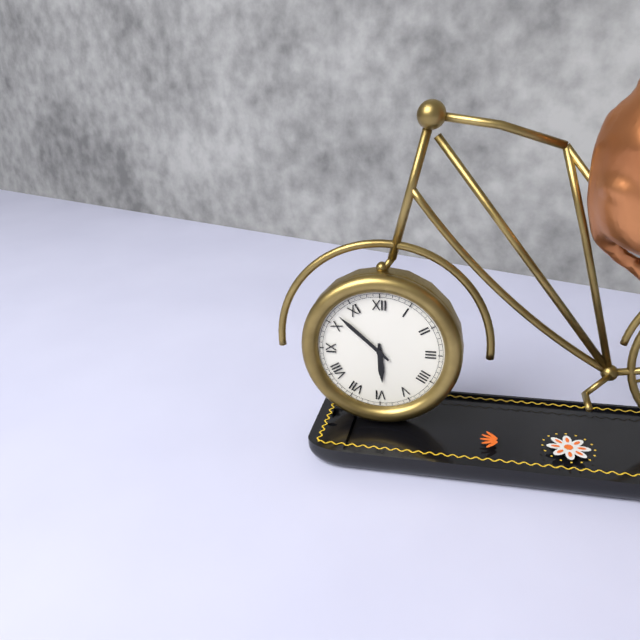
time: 5:52
